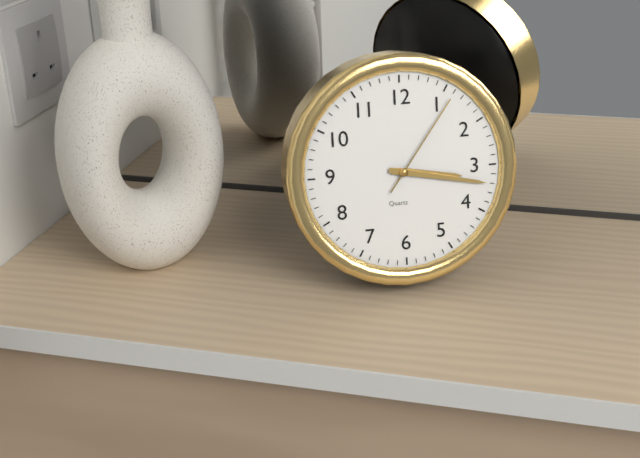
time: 3:17:06
